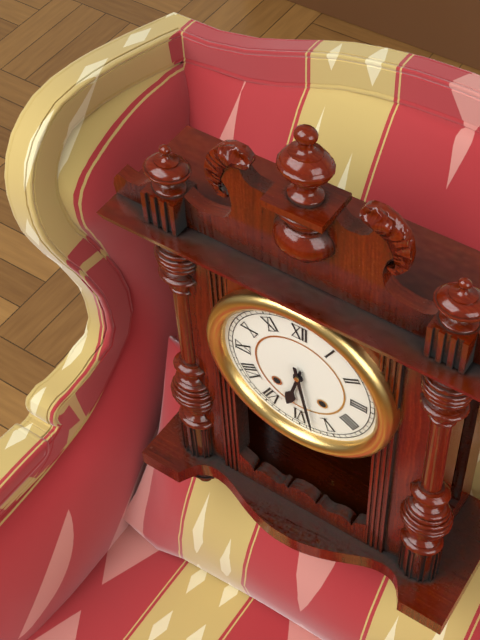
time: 6:28
